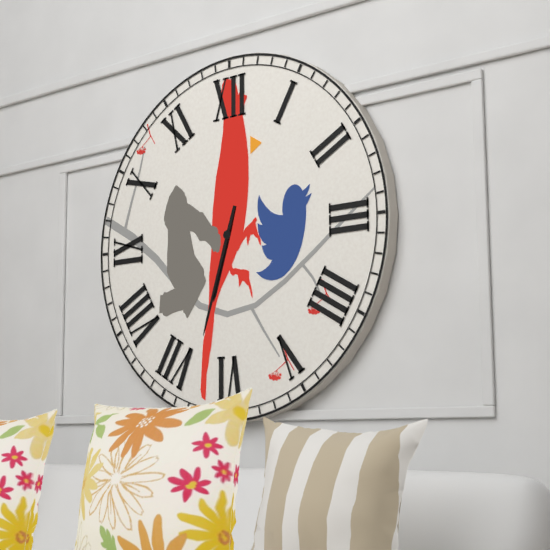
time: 6:33
